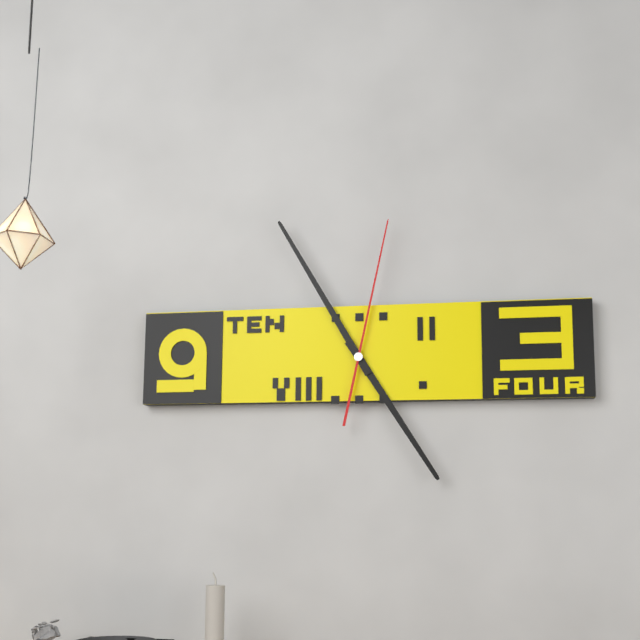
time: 4:55:02
